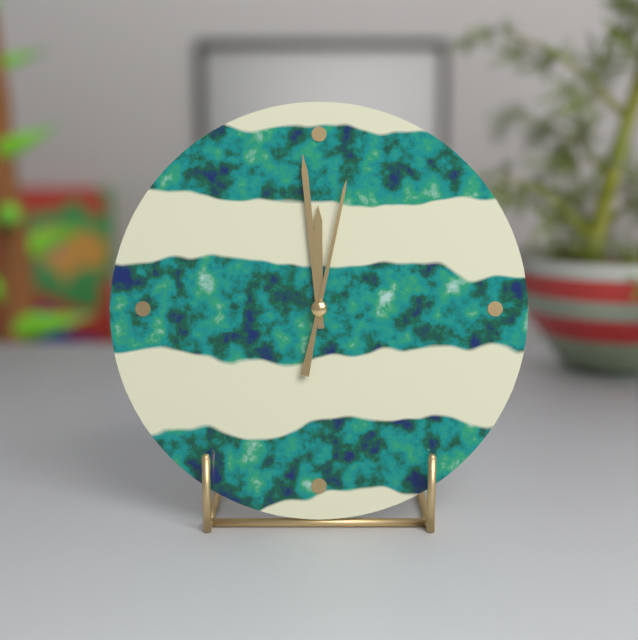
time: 11:59:02
